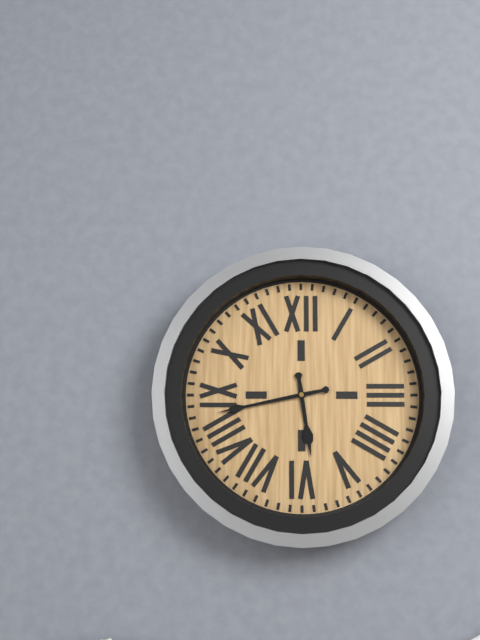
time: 5:43
